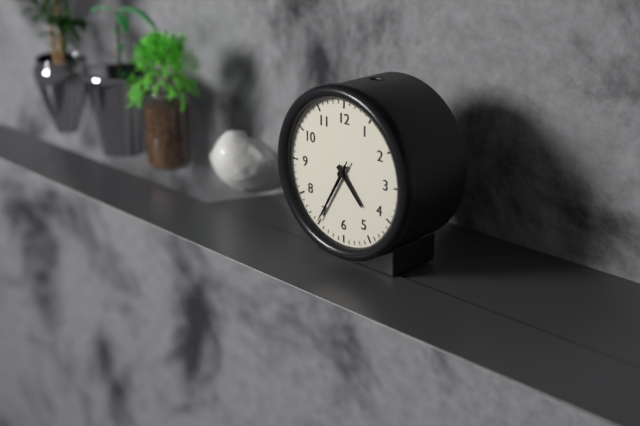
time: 4:35:35
